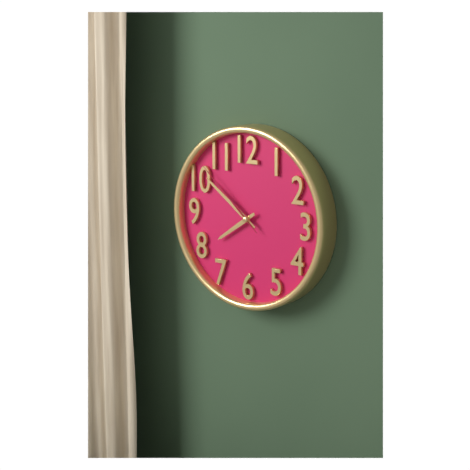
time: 7:51:52
